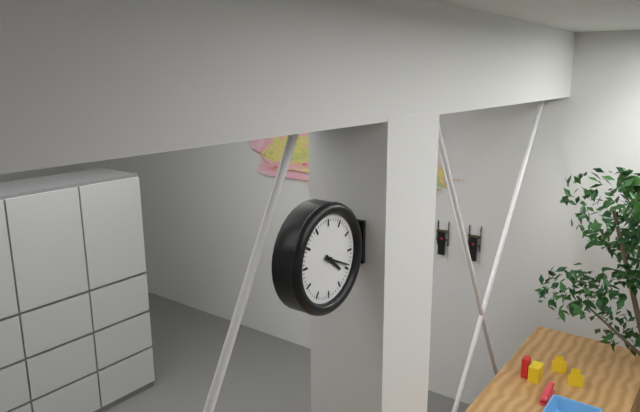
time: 4:19
